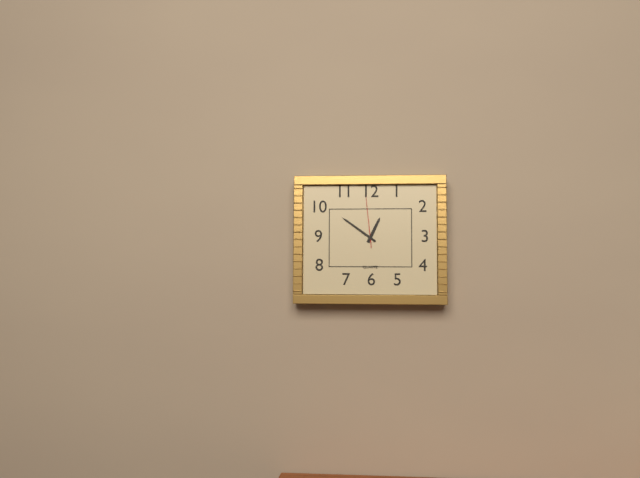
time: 12:51:59
